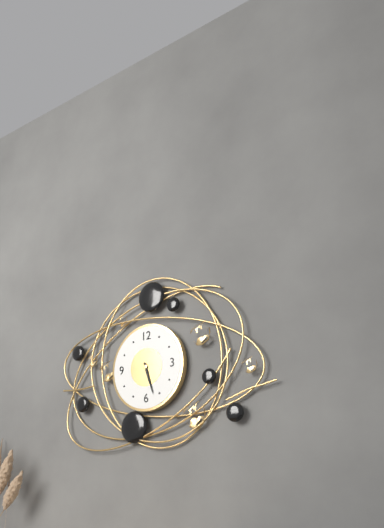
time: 5:27
